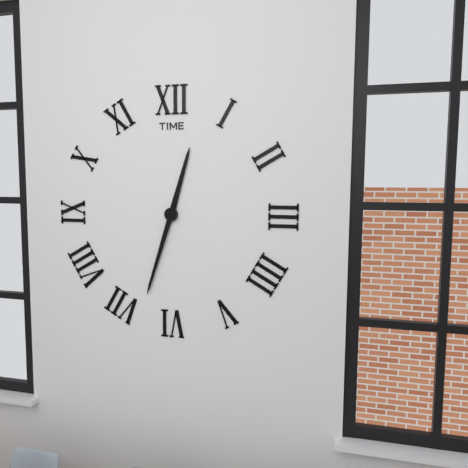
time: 12:33
